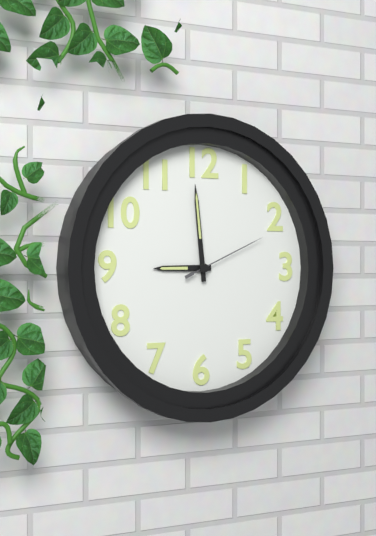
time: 8:59:11
